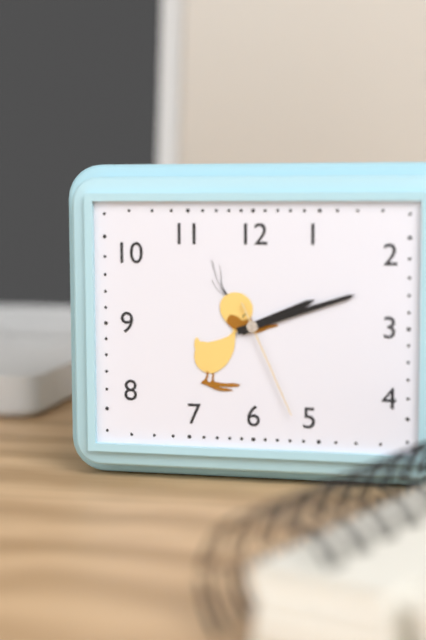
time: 2:12:26
